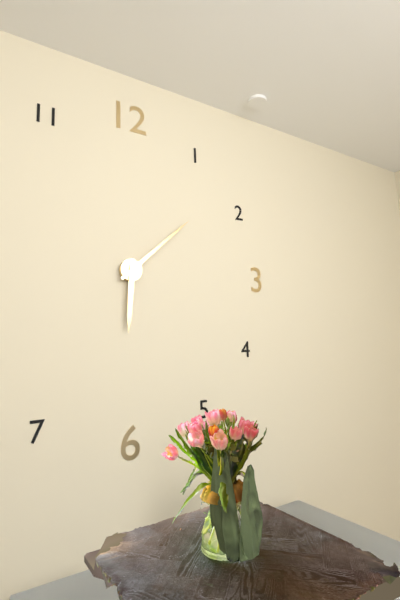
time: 6:08
